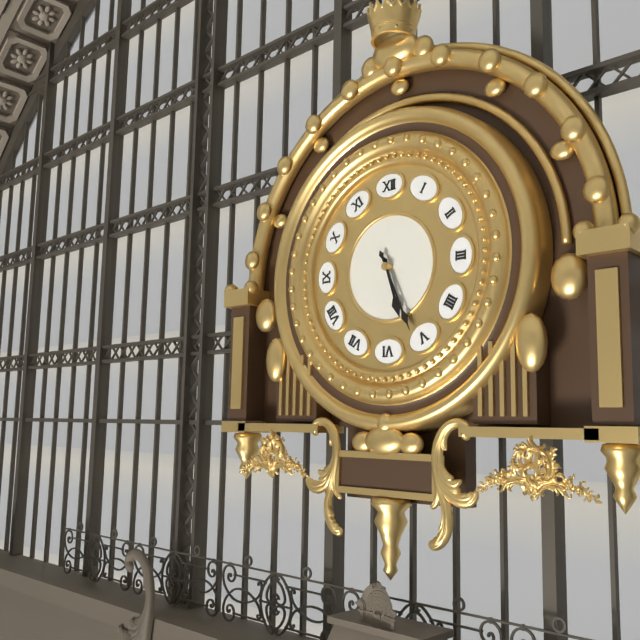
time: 5:26
